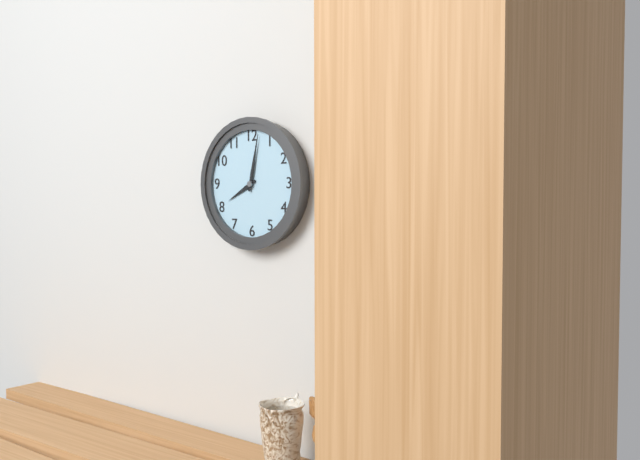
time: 8:02
